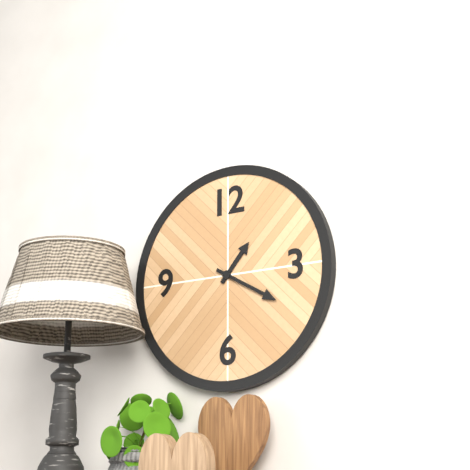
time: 1:20
